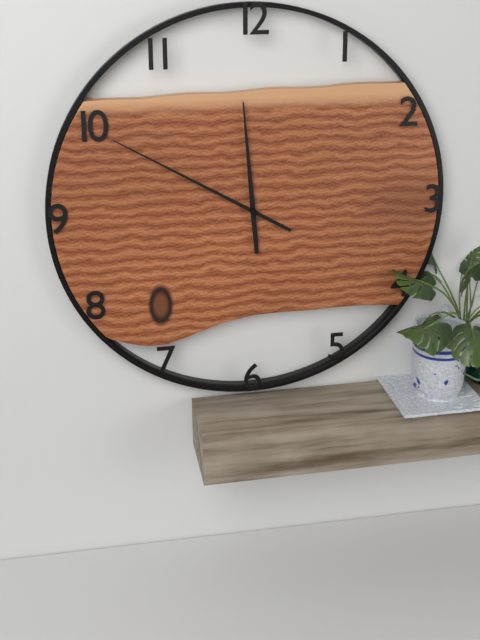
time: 11:50
